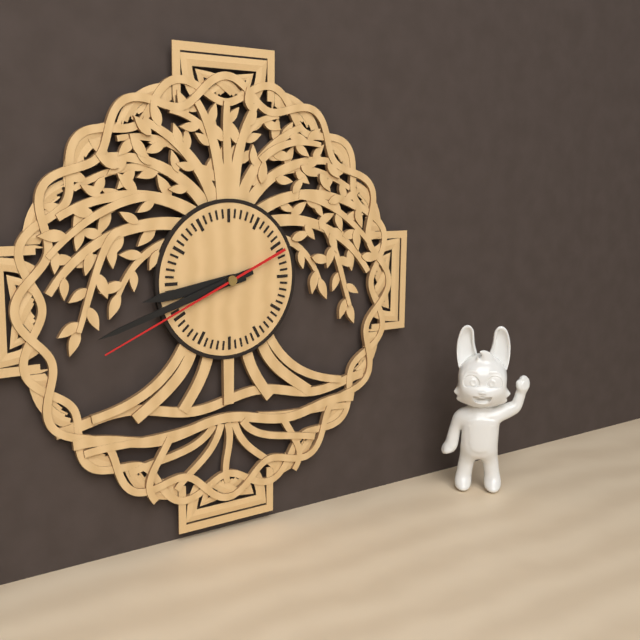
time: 8:42:41
